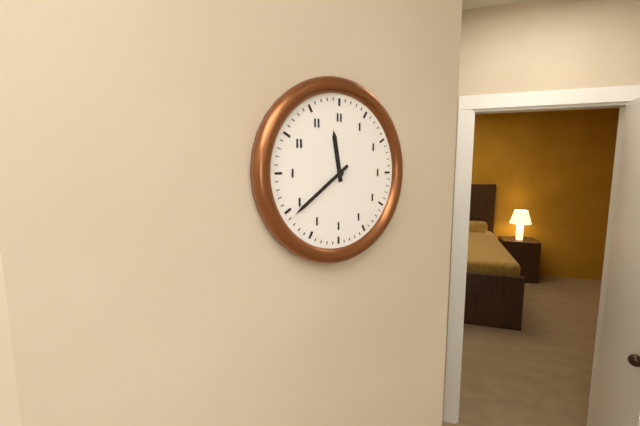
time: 11:39
